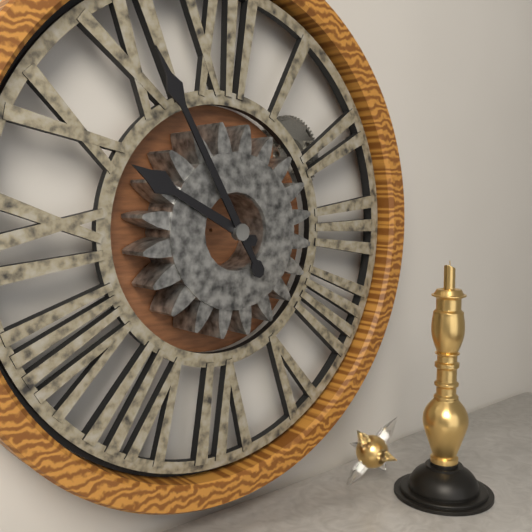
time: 9:55
